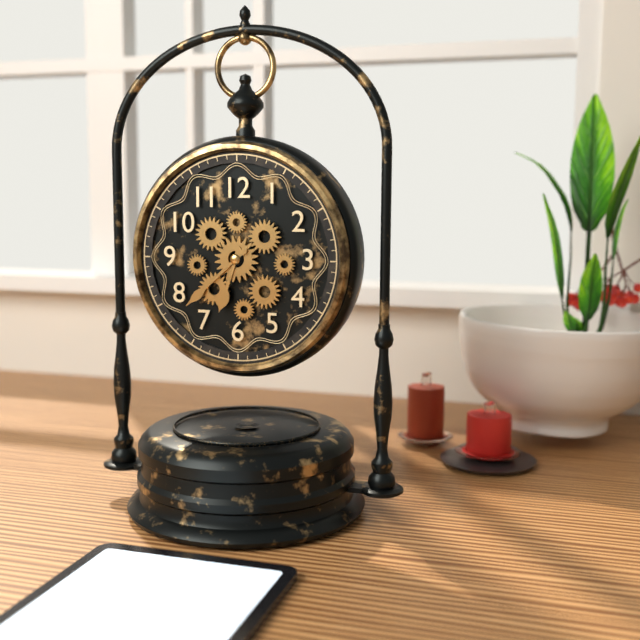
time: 6:38
